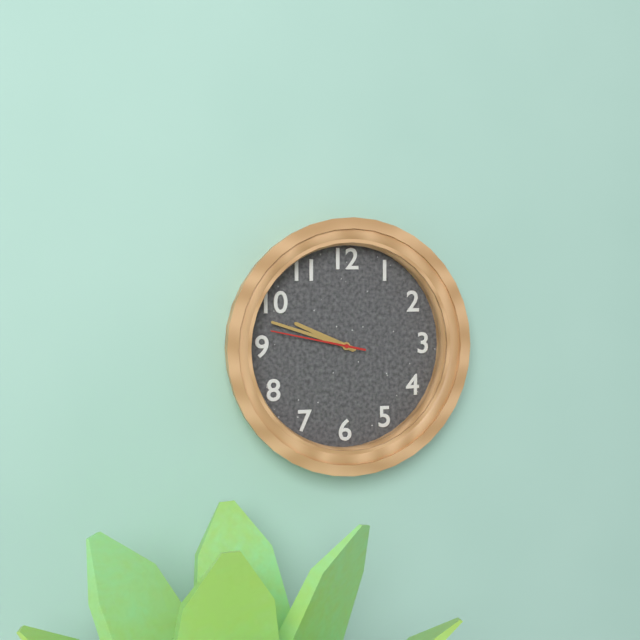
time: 9:48:47
